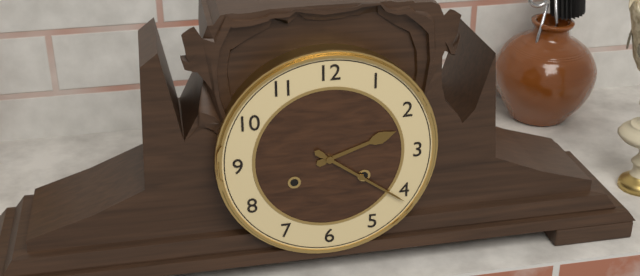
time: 2:21
